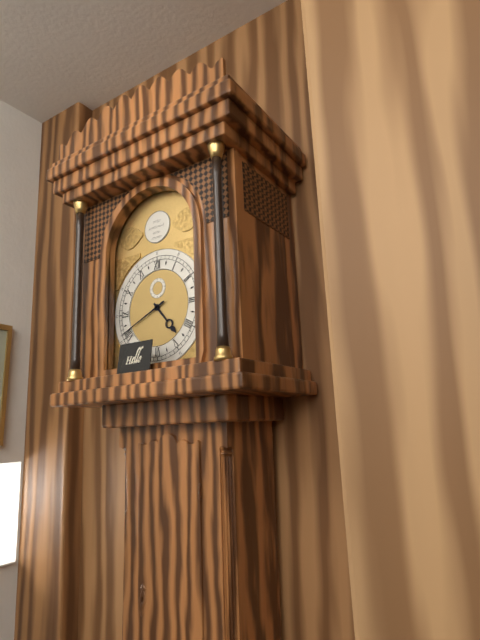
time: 4:41
